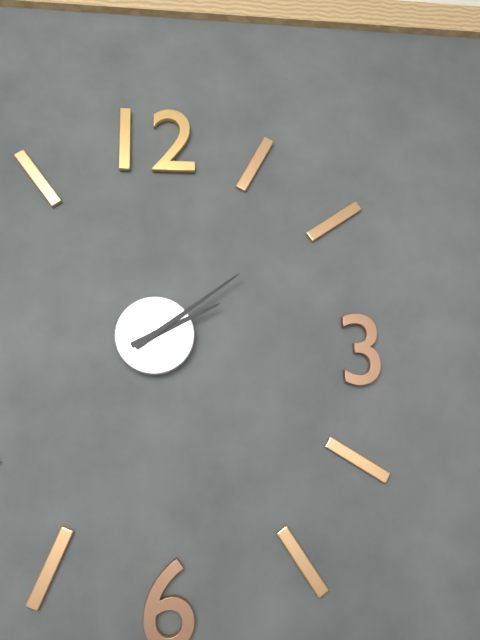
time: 2:09
